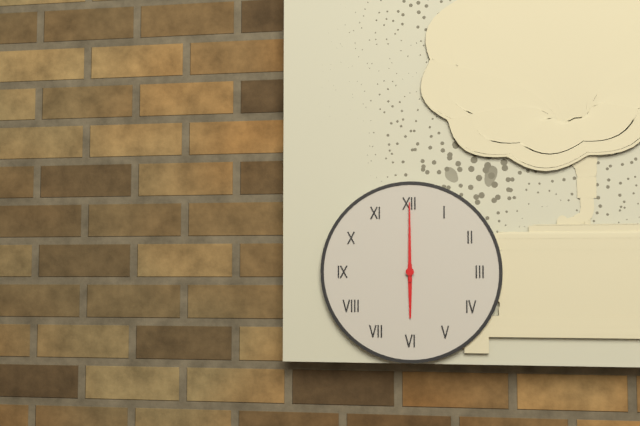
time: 6:00
